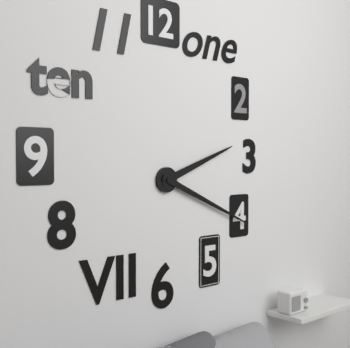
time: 2:19
